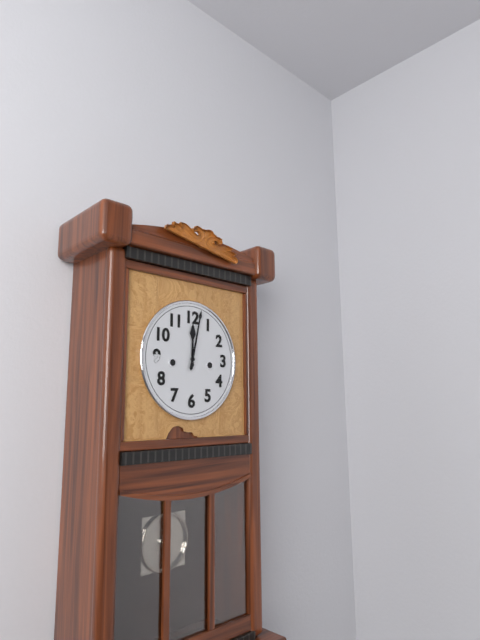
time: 12:02
